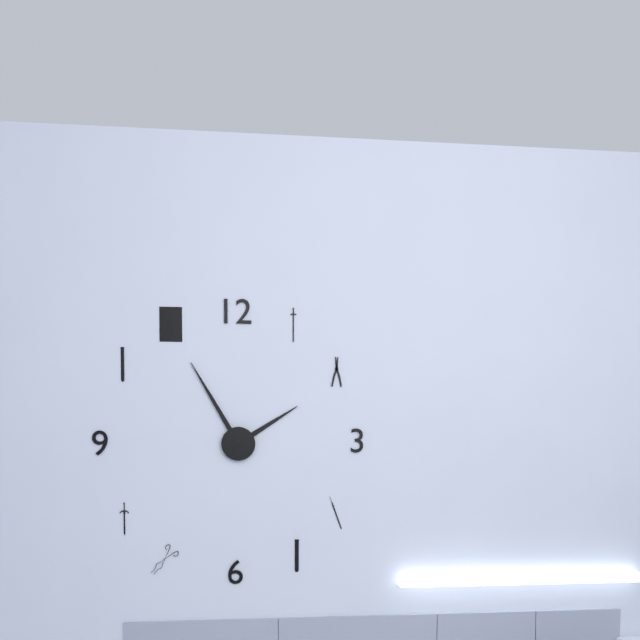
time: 1:55
